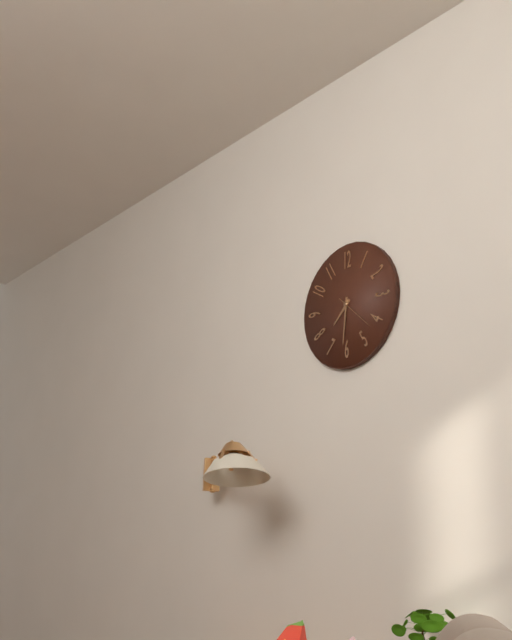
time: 7:31
